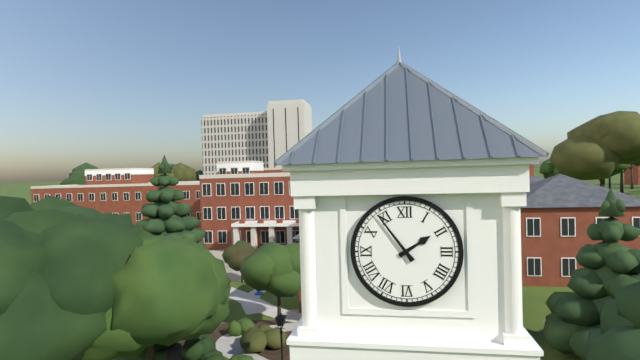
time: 1:54
